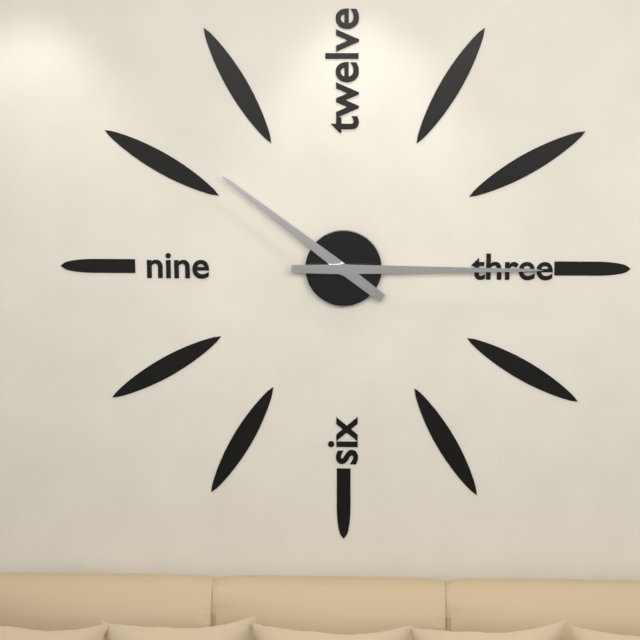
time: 10:15
